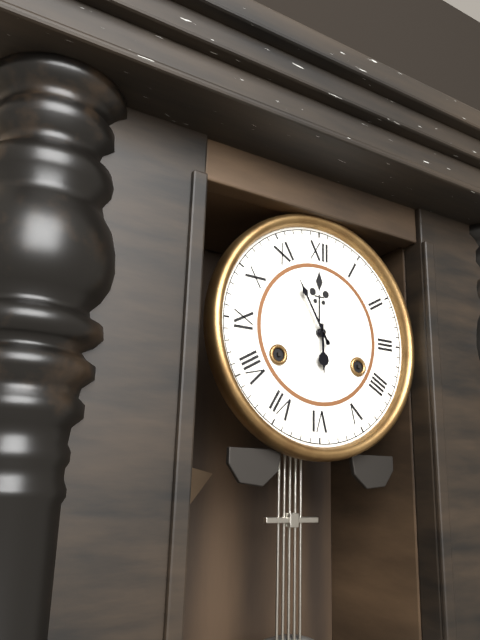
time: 5:55
